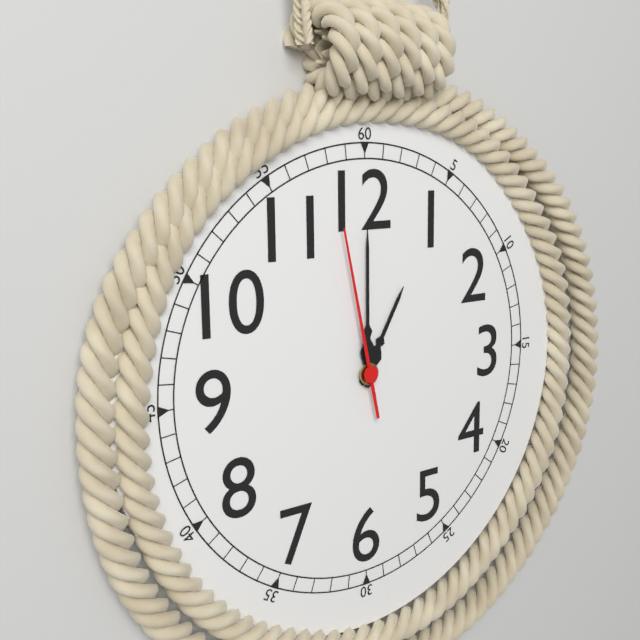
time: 1:00:58
